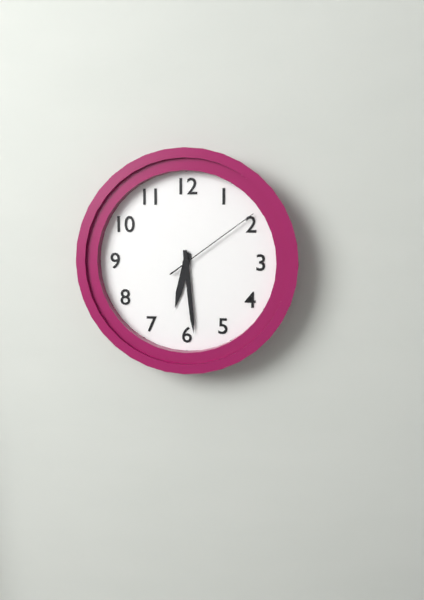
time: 6:29:09
